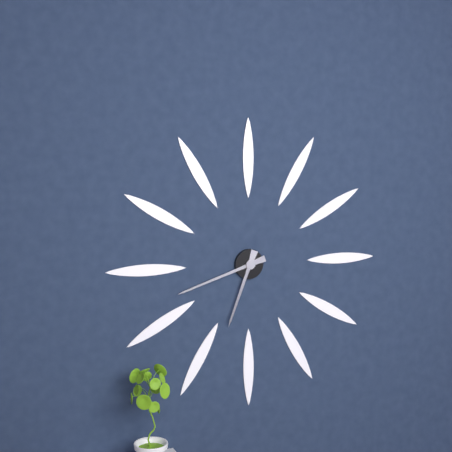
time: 6:42
